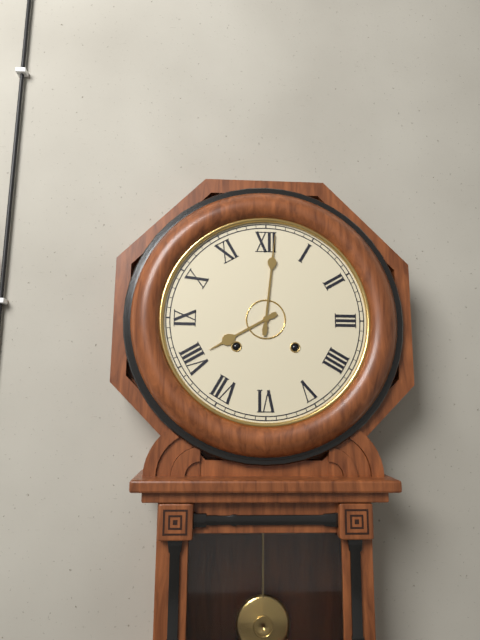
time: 8:01
